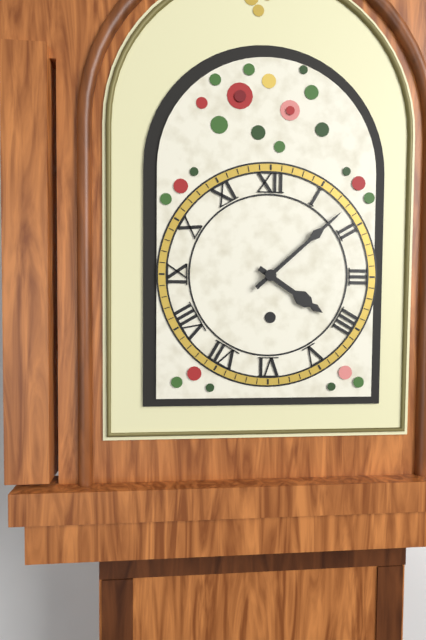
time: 4:08
